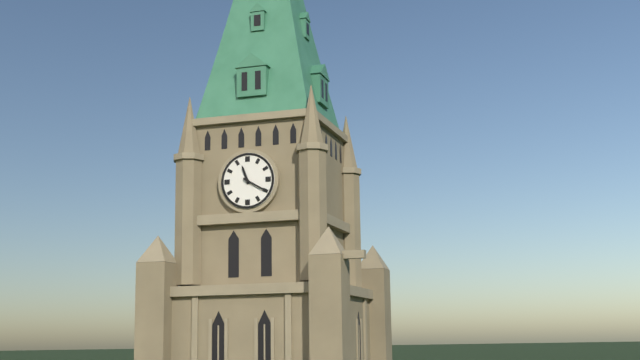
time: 11:20
